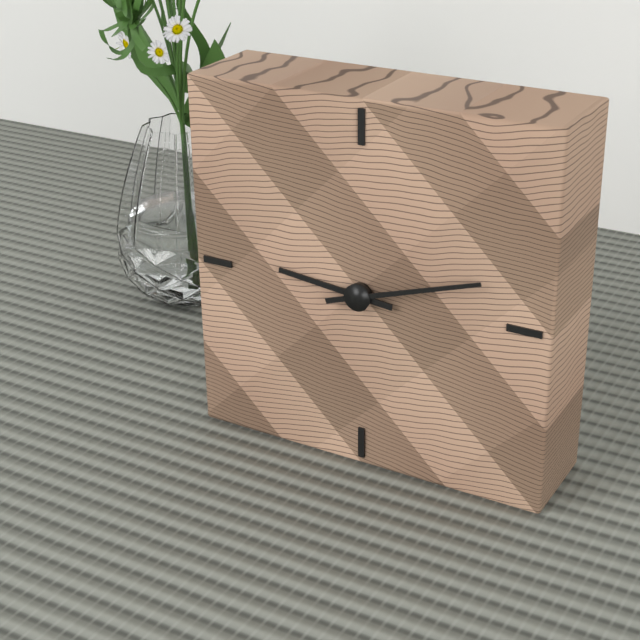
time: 9:12
